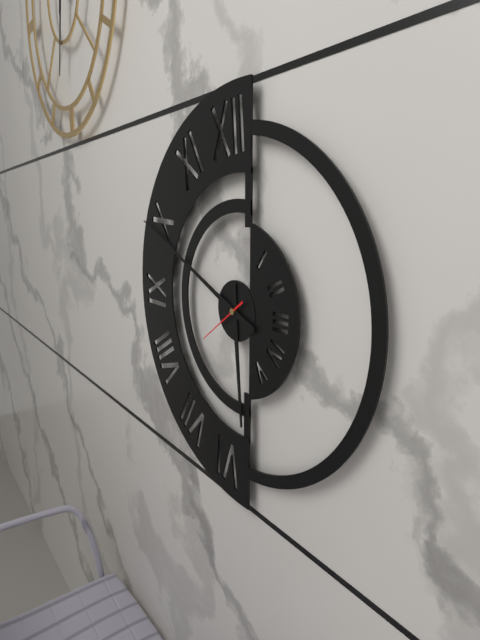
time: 5:49:39
